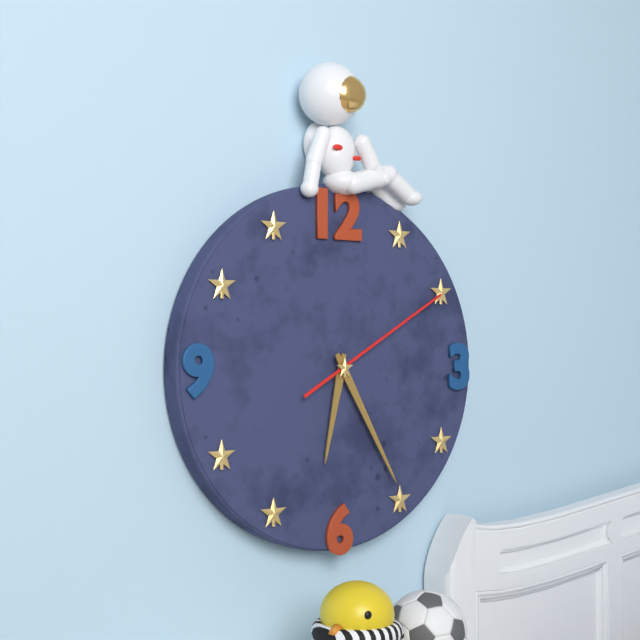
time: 6:25:10
